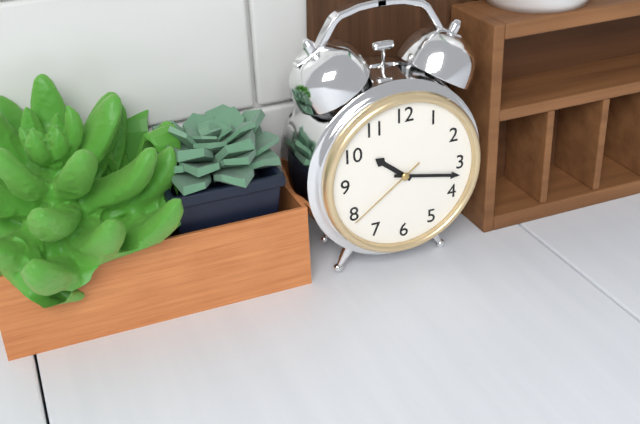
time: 10:17:39
